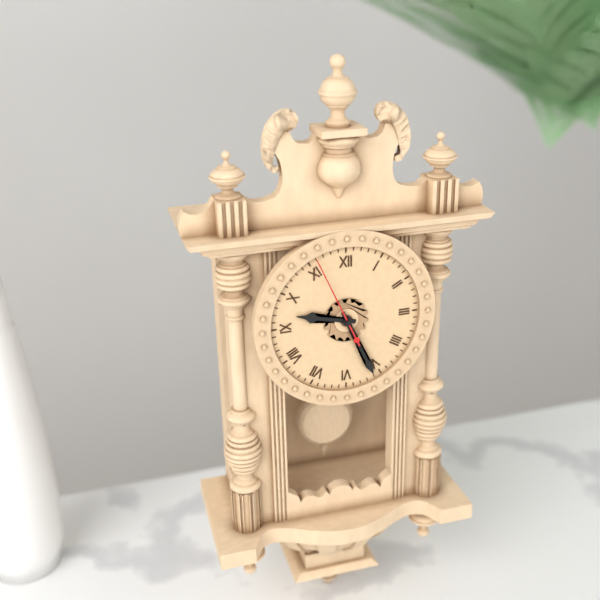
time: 9:26:56
